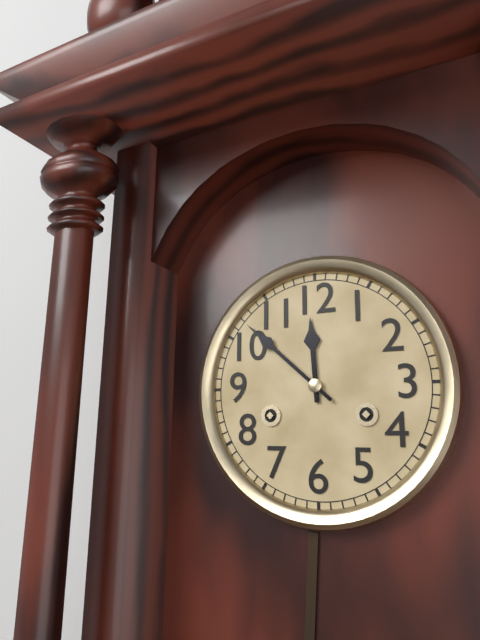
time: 11:52
